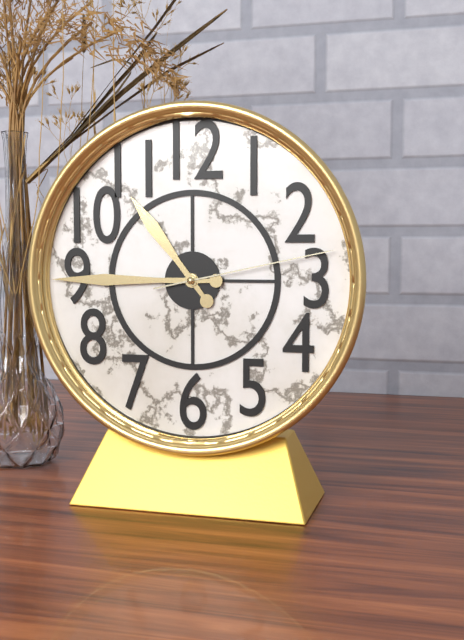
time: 10:45:13
